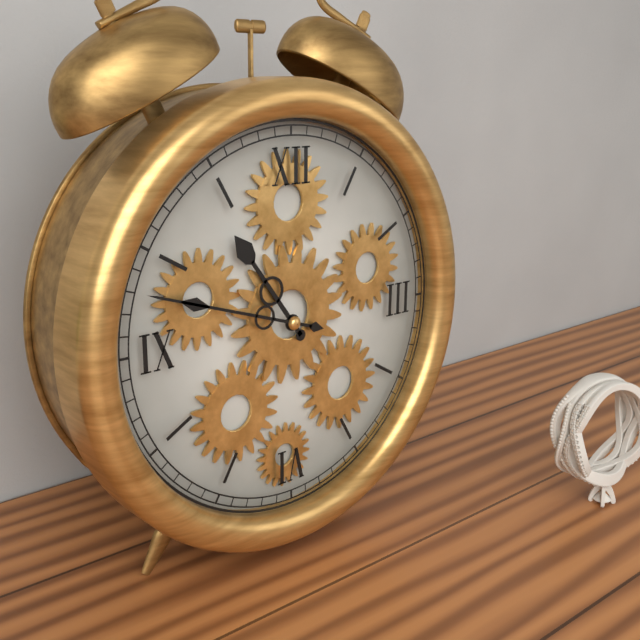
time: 10:48
